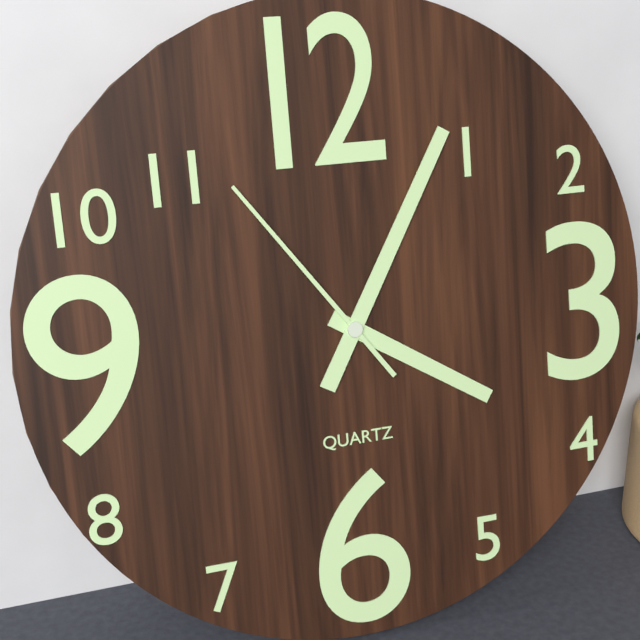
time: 4:05:54
